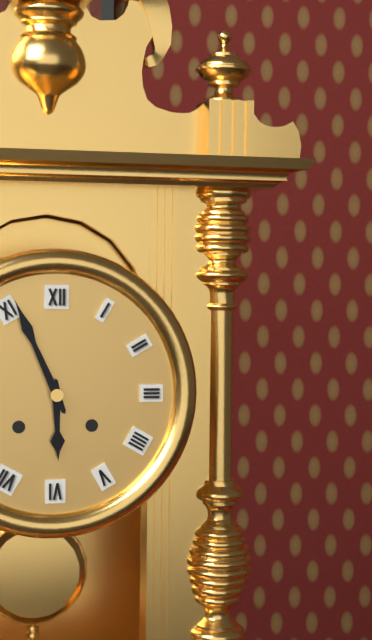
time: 5:56
